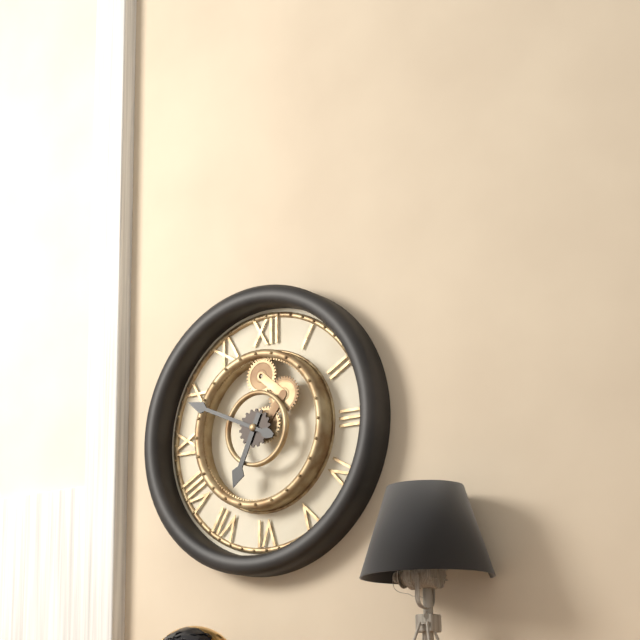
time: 6:49
